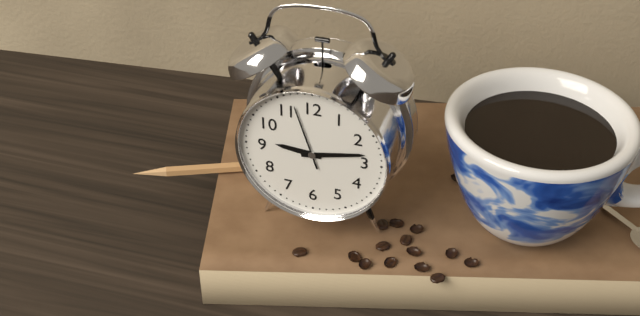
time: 9:13:57
